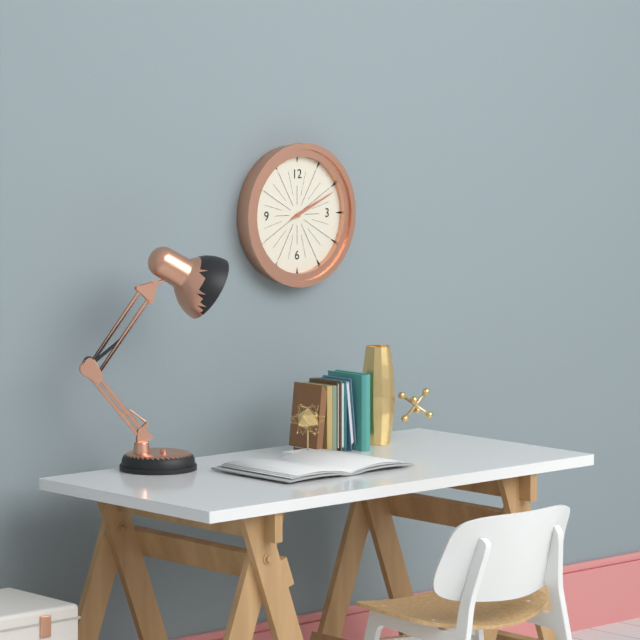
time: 2:11
